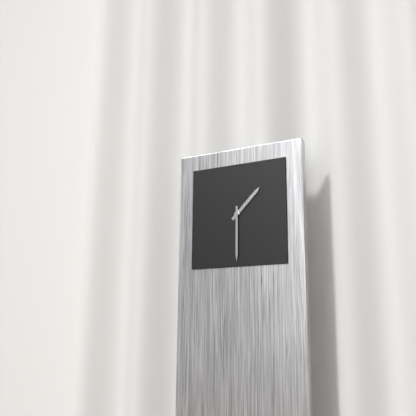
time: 1:30
